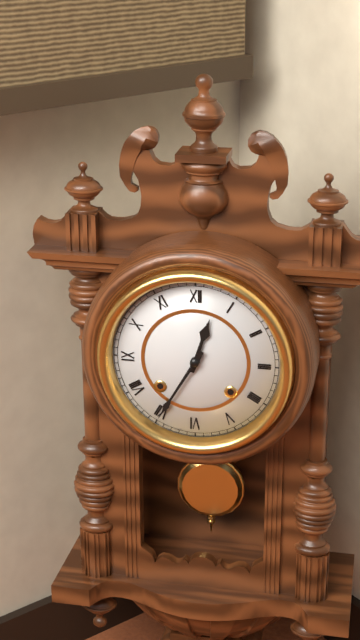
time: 12:35
